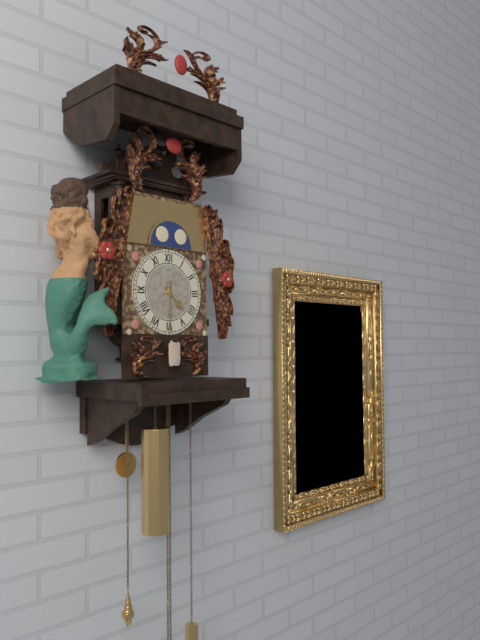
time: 4:30
